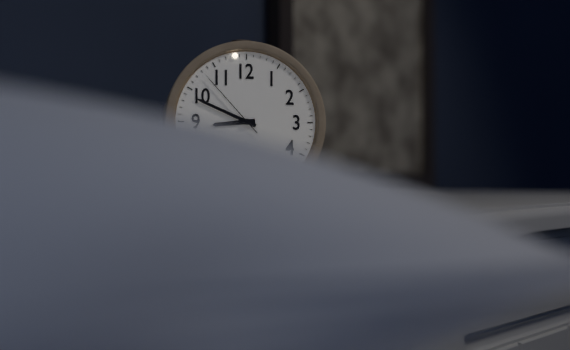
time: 8:49:53
